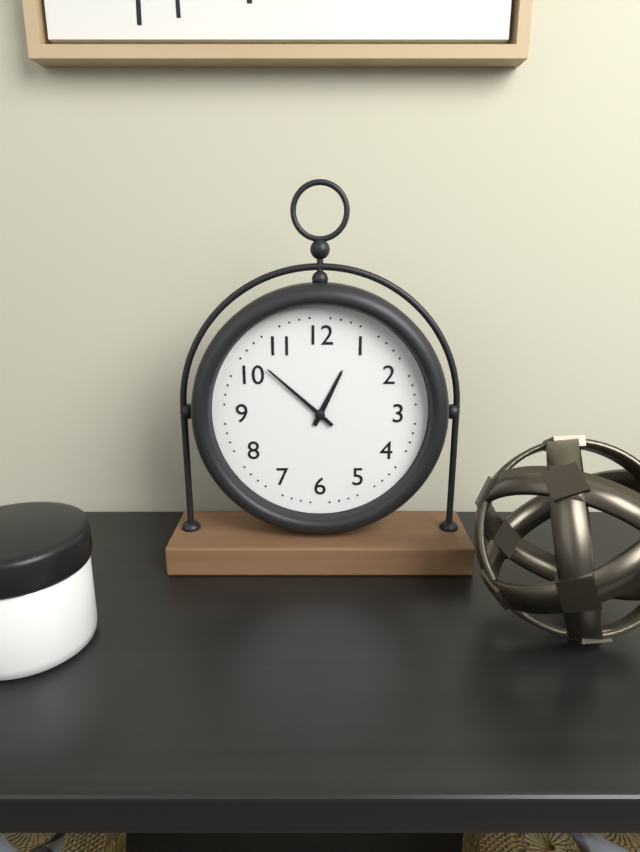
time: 12:52
